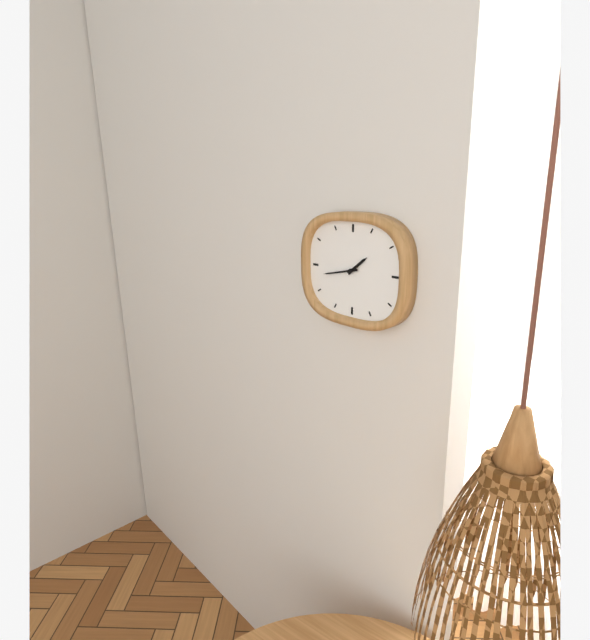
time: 1:43
